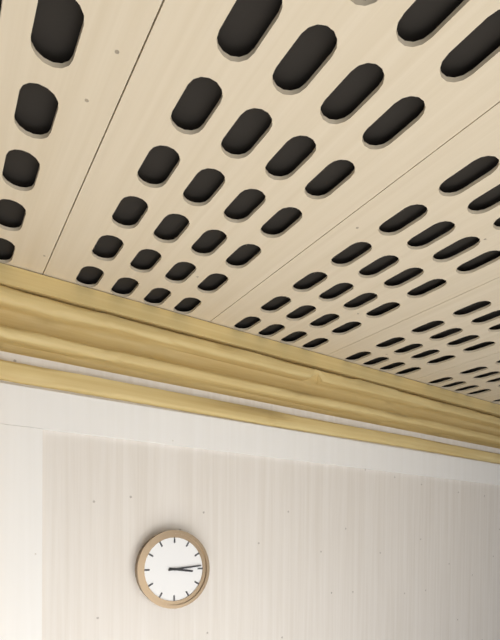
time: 3:14
